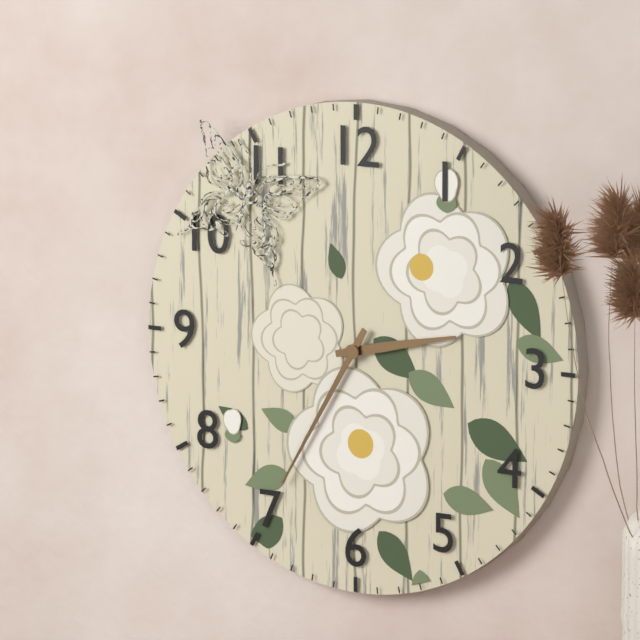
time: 2:35
